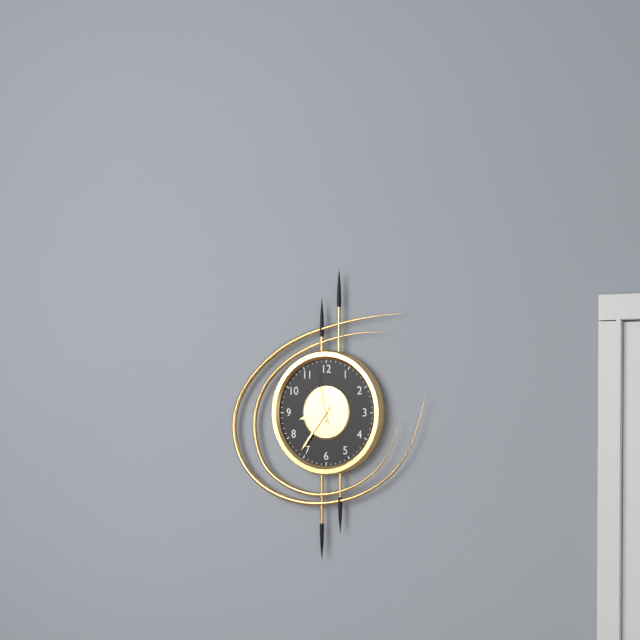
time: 8:36:58
